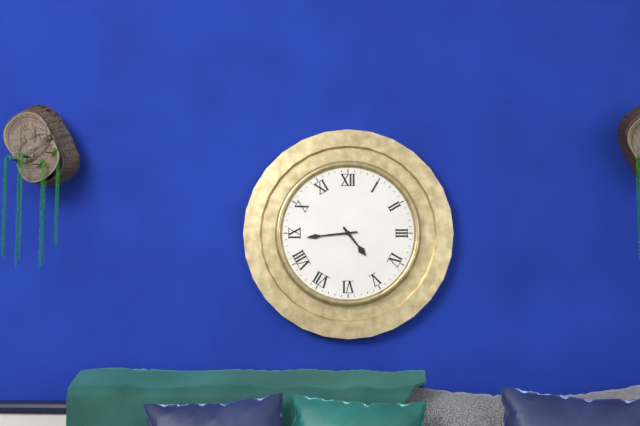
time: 4:44
